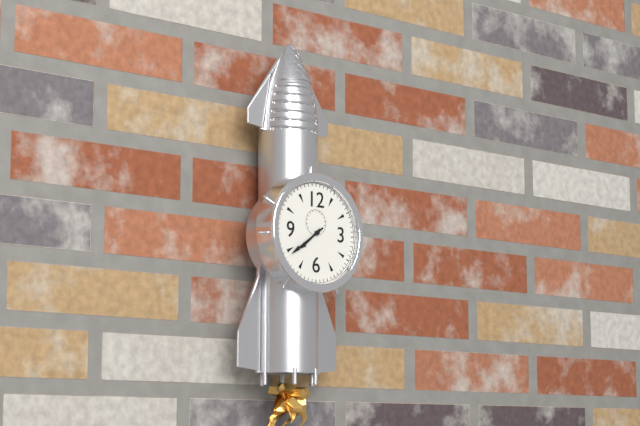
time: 7:39
